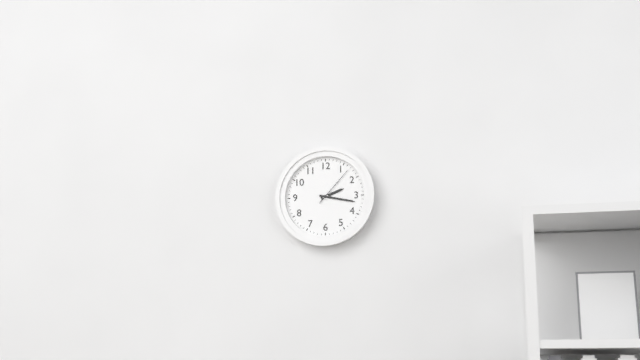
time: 2:17
